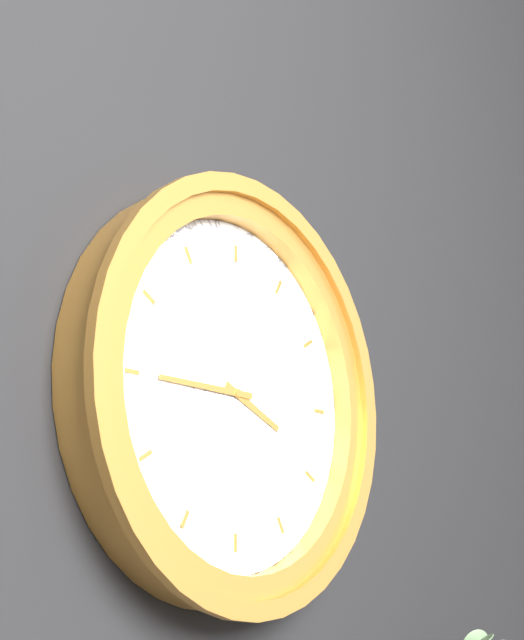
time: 3:45
